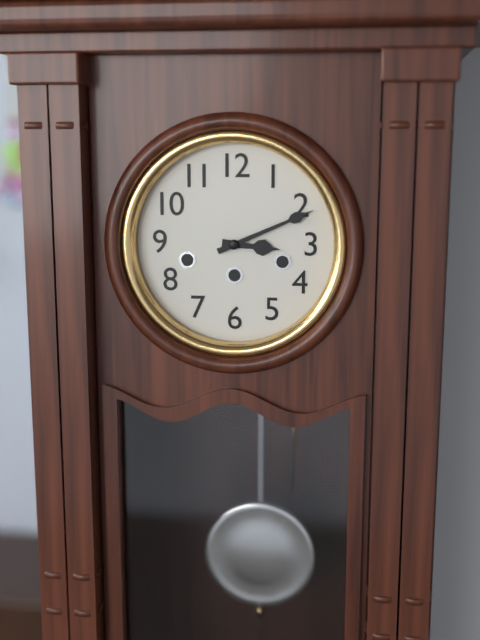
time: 3:11
